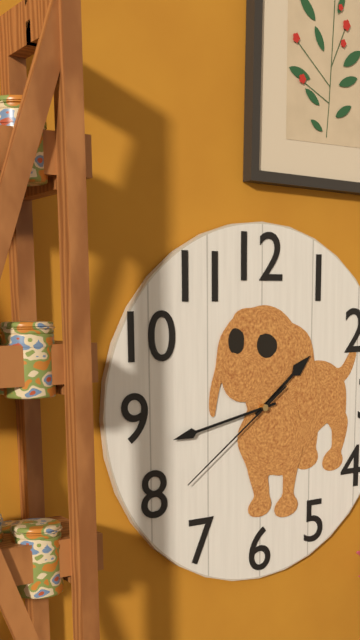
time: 1:43:39
